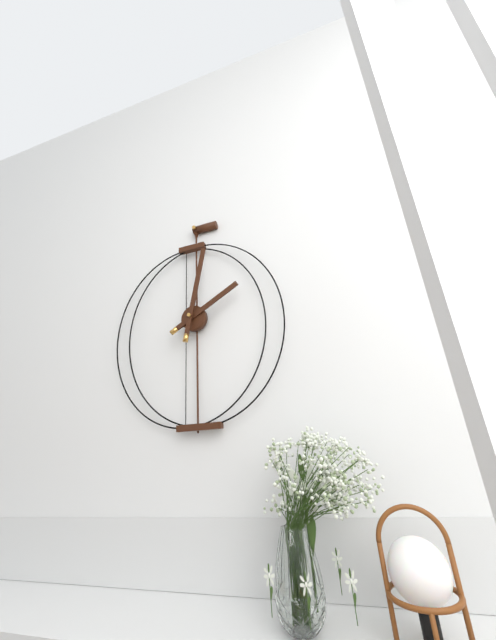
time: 2:02
